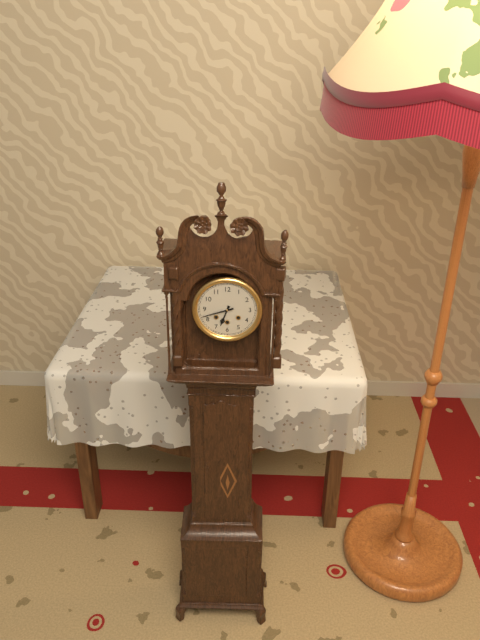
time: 6:42
